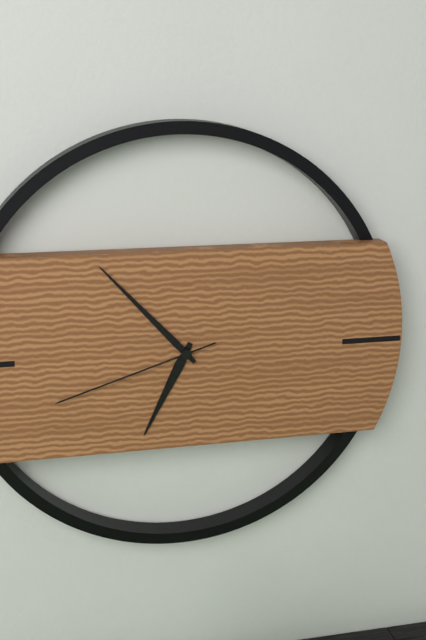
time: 6:53:42
